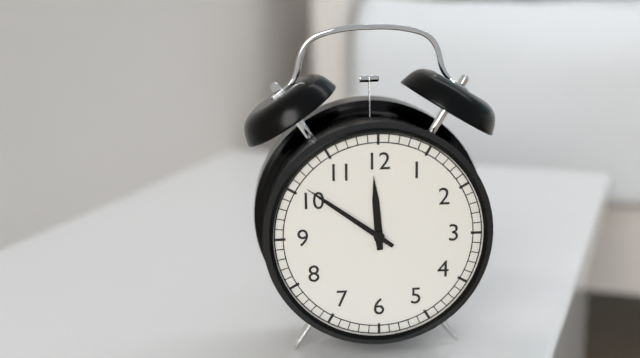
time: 11:51
